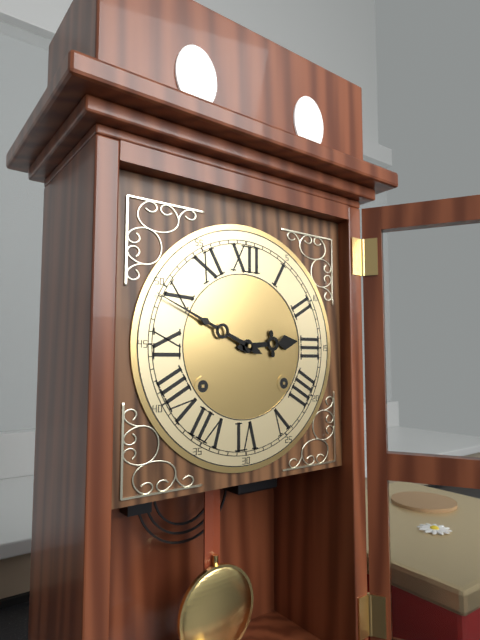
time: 2:49
